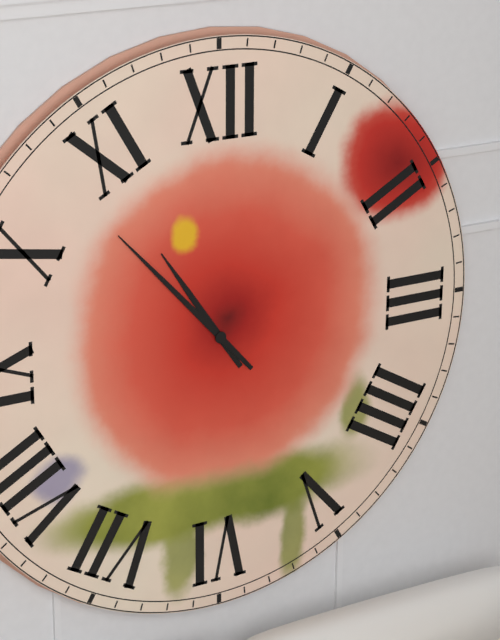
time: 10:53
